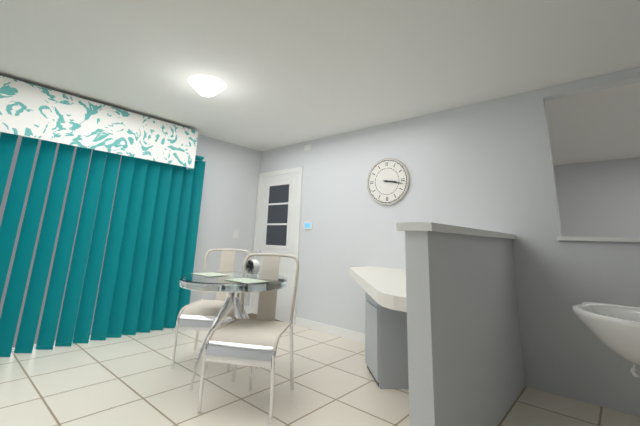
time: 3:17
